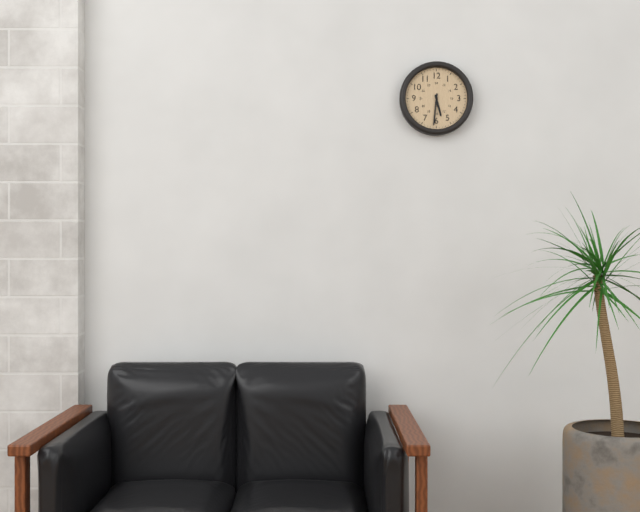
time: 5:31
